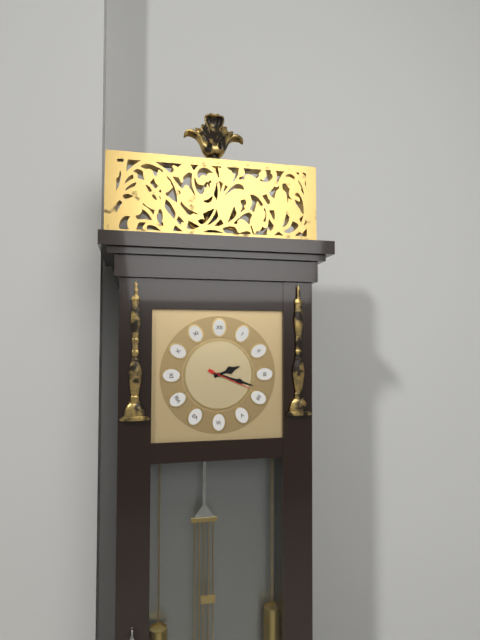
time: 2:18
